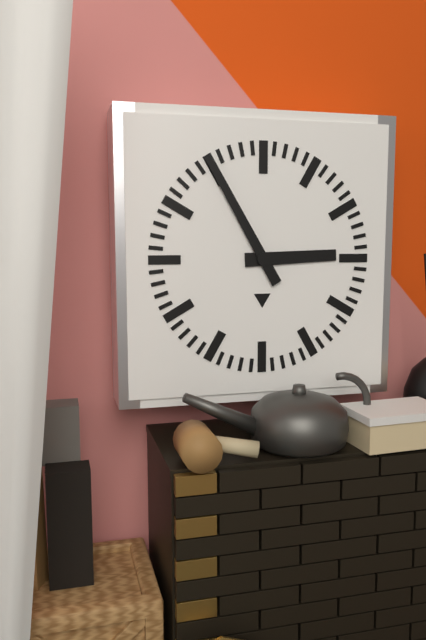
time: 2:55
